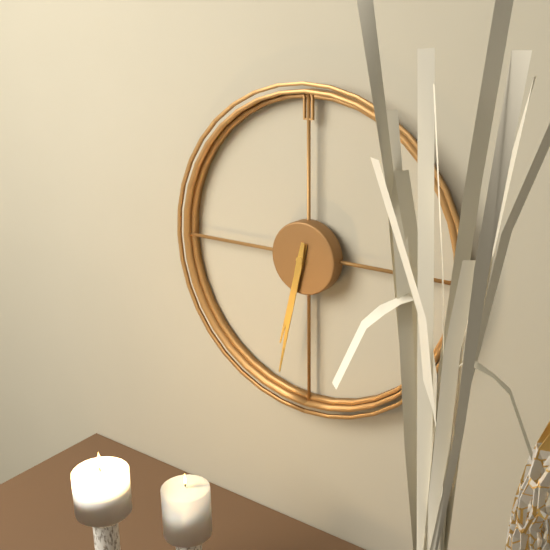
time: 6:32
